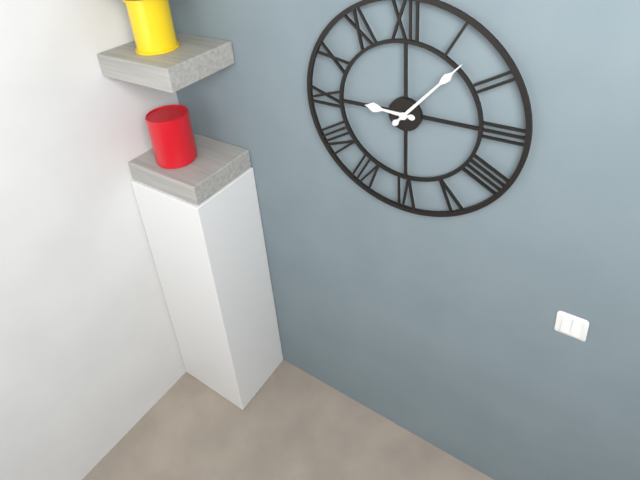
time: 9:07
